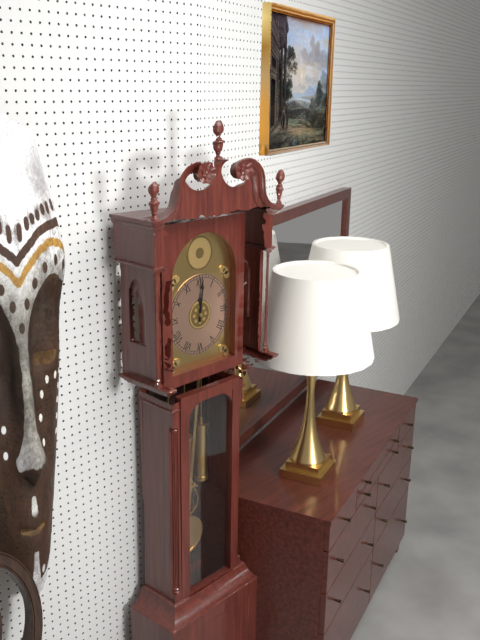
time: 12:01
